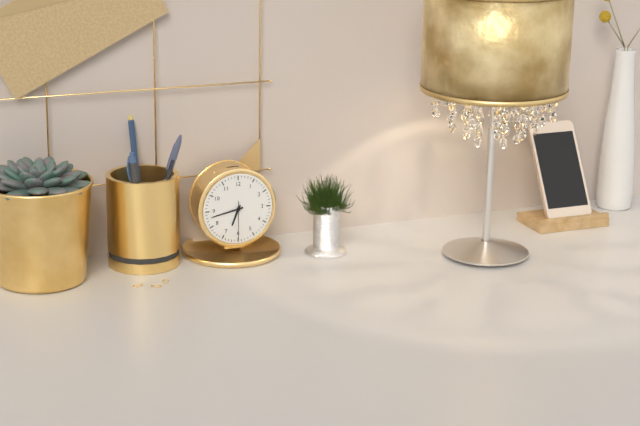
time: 6:43
